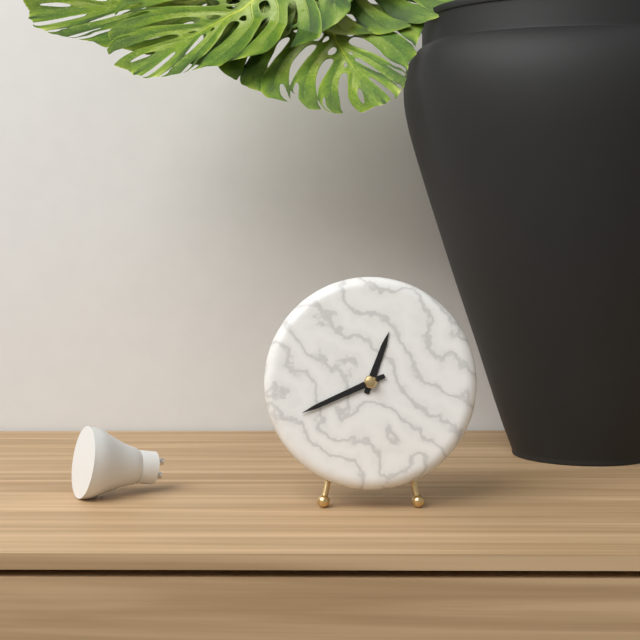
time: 12:41
